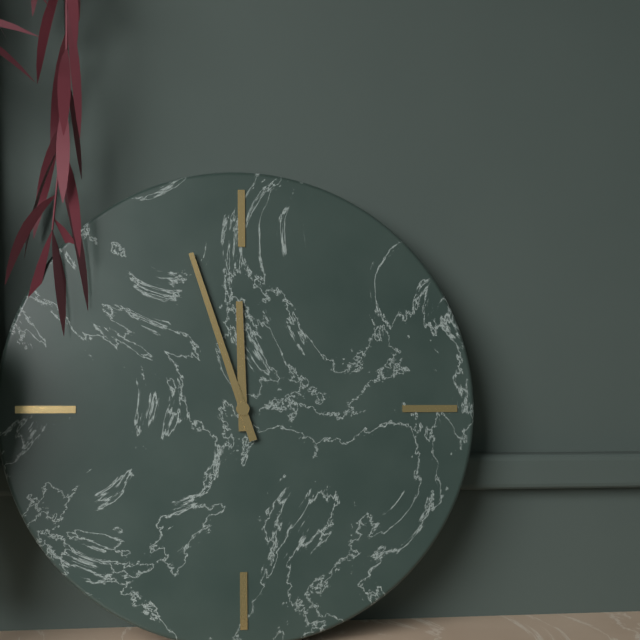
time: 11:57
